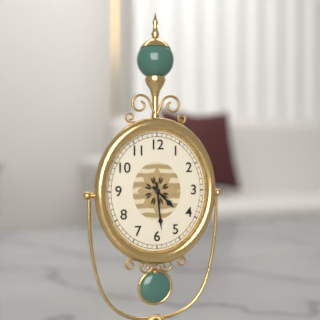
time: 4:29
